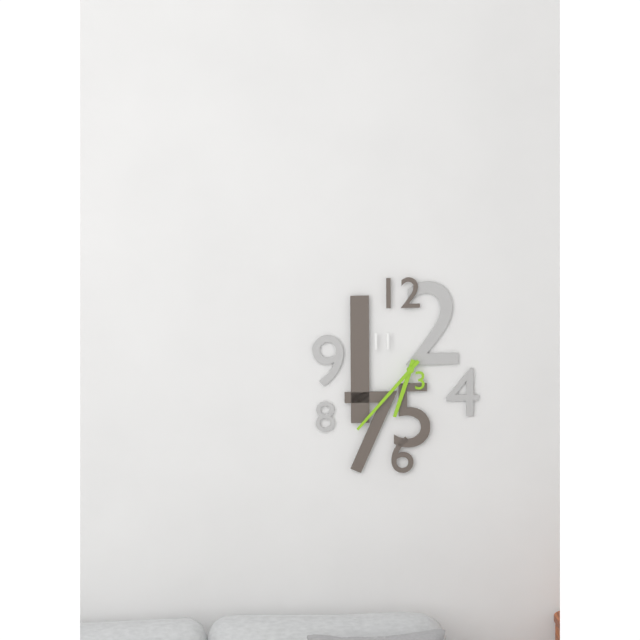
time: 6:37
